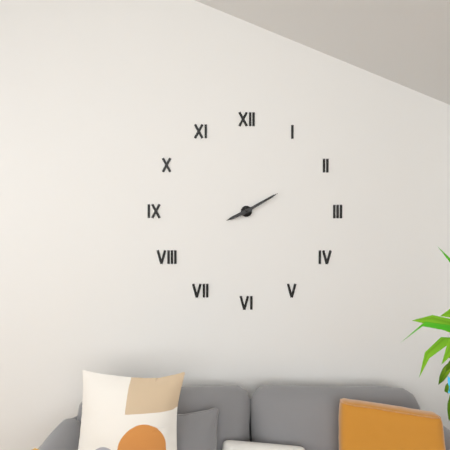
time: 8:10
